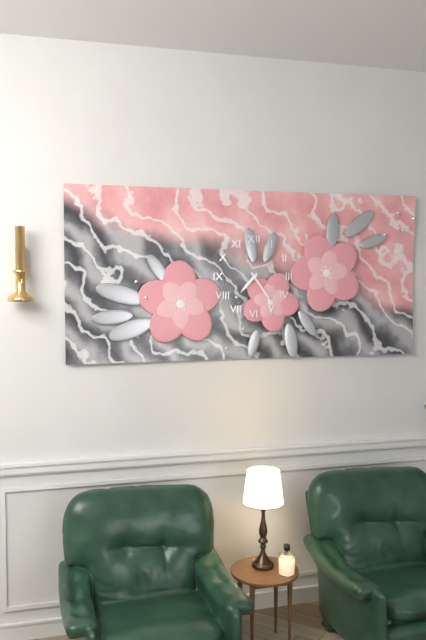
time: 7:24
